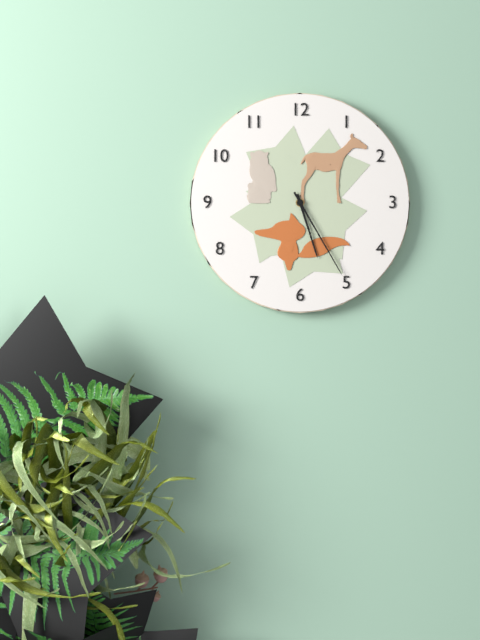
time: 5:25
